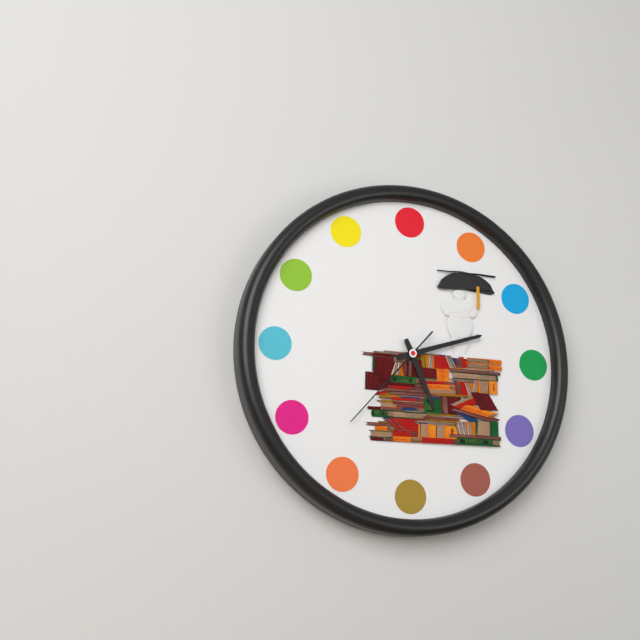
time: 5:12:37
